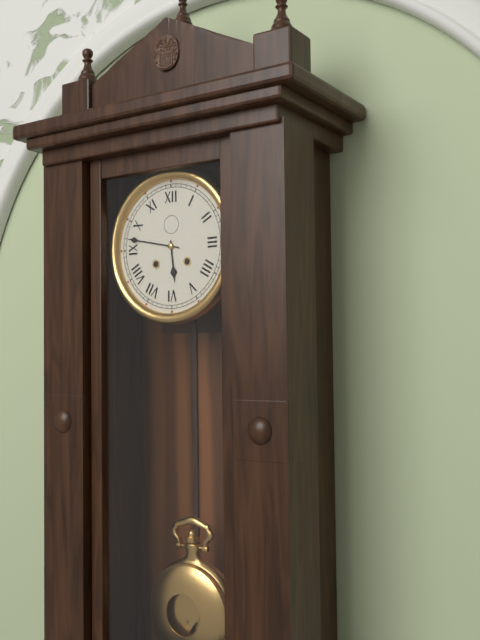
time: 5:47
